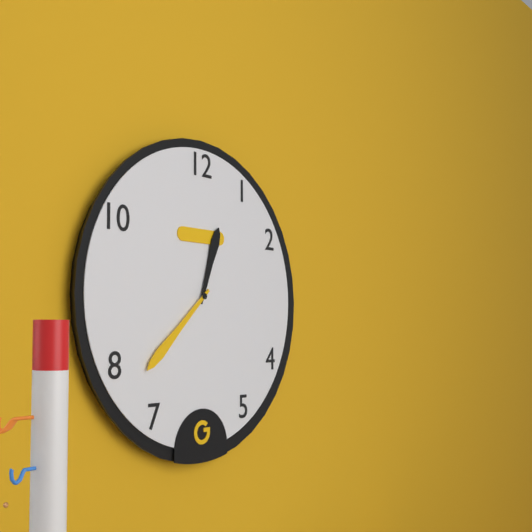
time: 12:38
